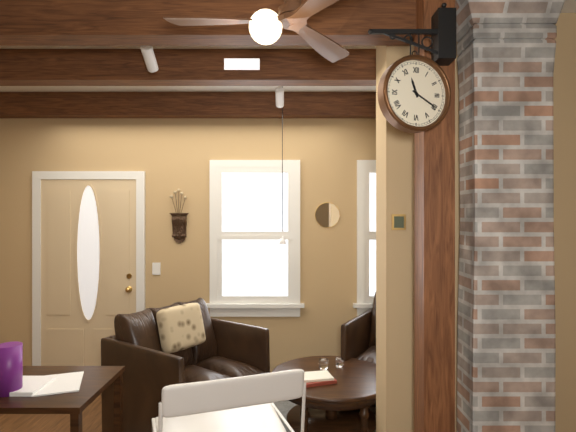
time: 11:20
